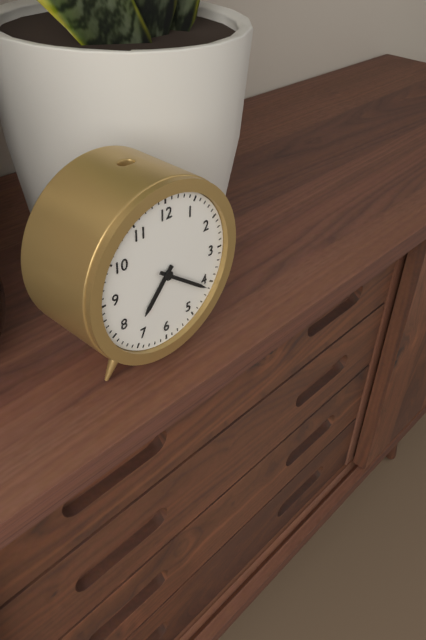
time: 7:21
